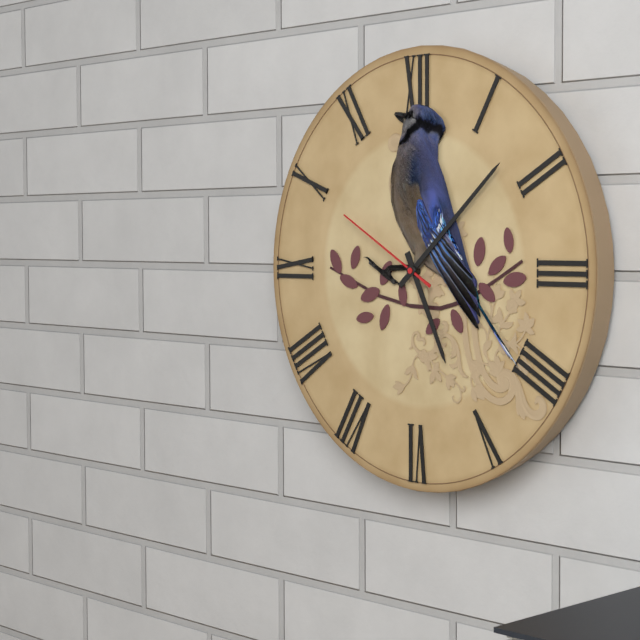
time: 5:08:50
